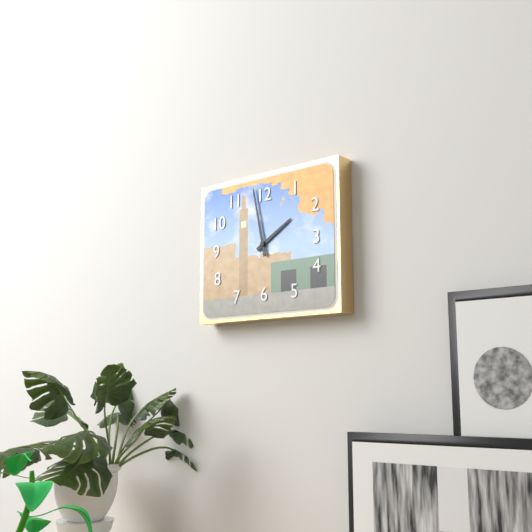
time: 1:58
